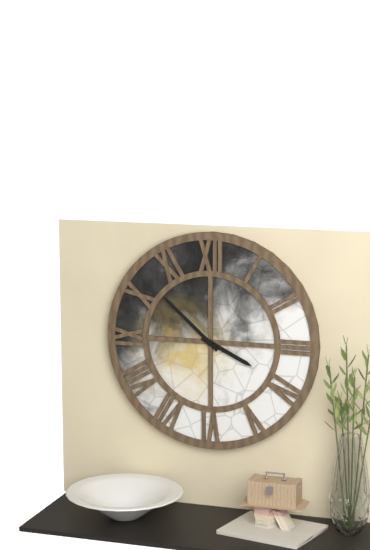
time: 3:52
